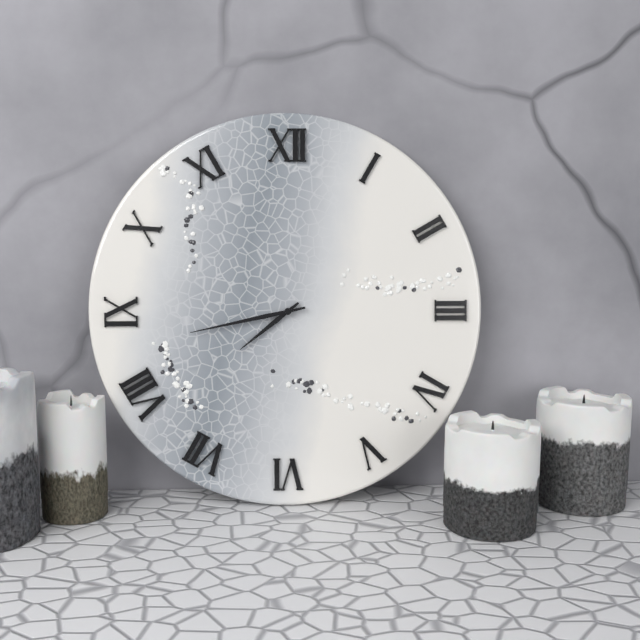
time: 7:43
